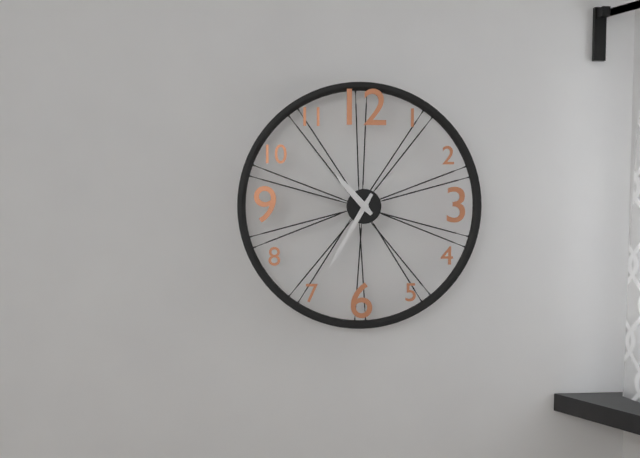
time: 10:35
